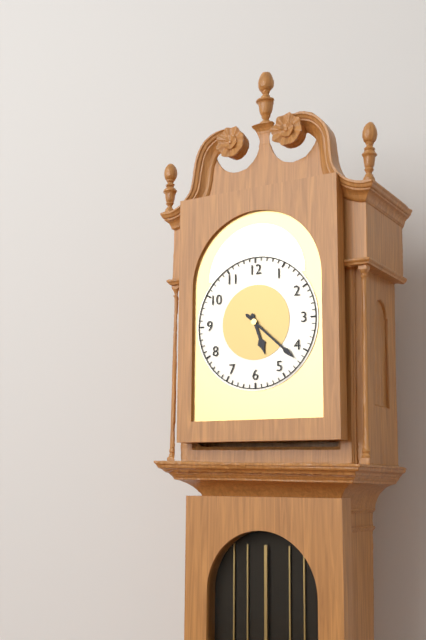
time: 5:22
